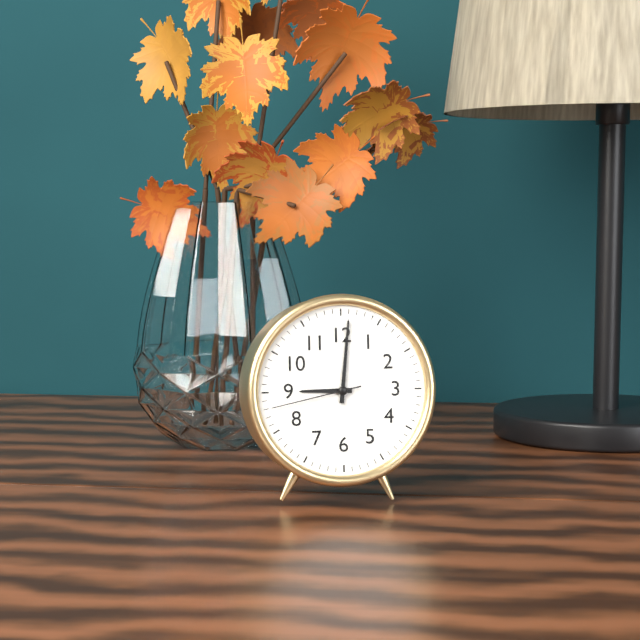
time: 9:01:43
